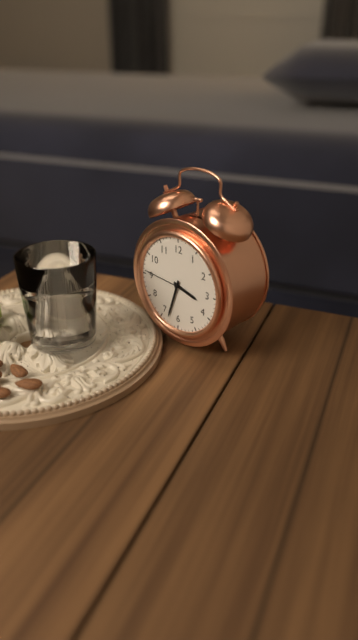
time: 3:33
